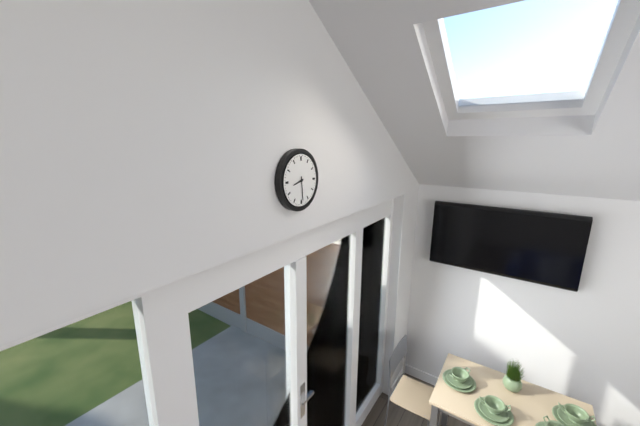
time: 8:29
